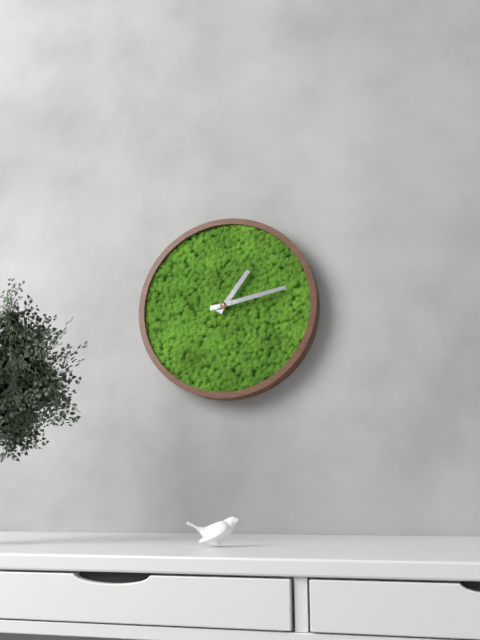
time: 1:13
